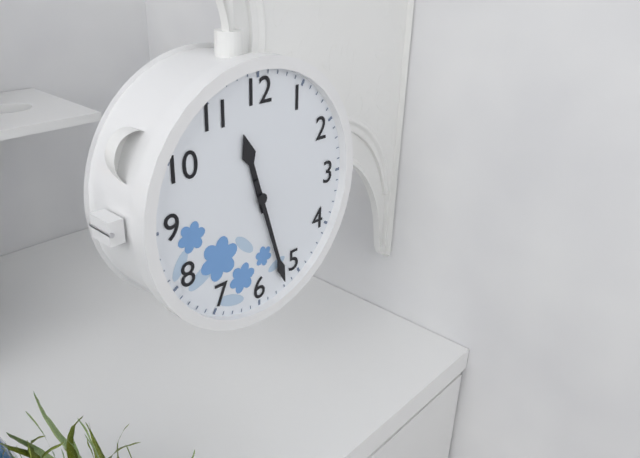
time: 11:27
